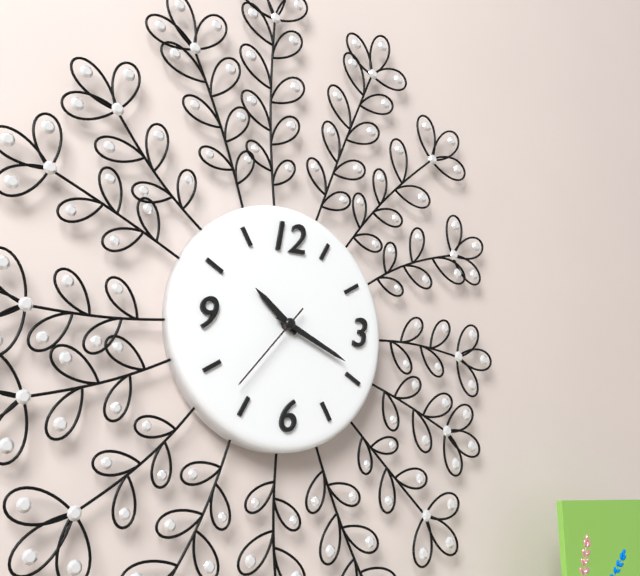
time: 10:19:37
